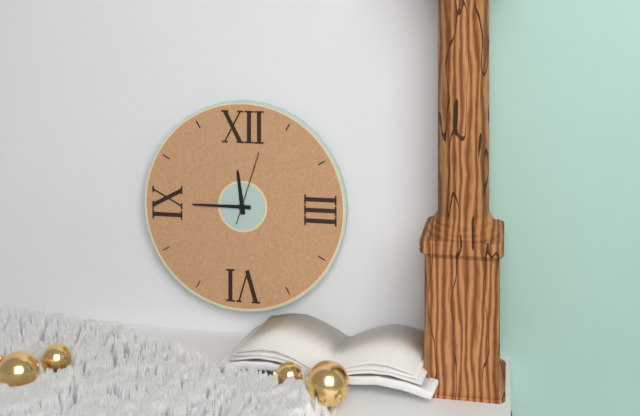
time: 11:45:03
